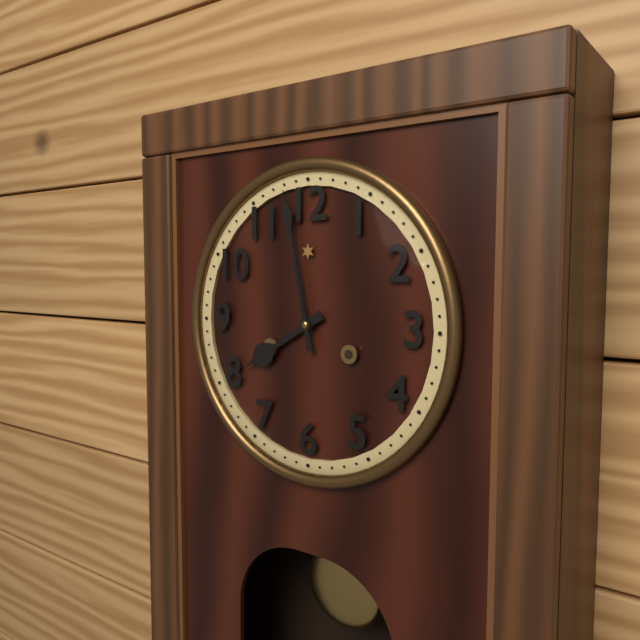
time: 7:58
